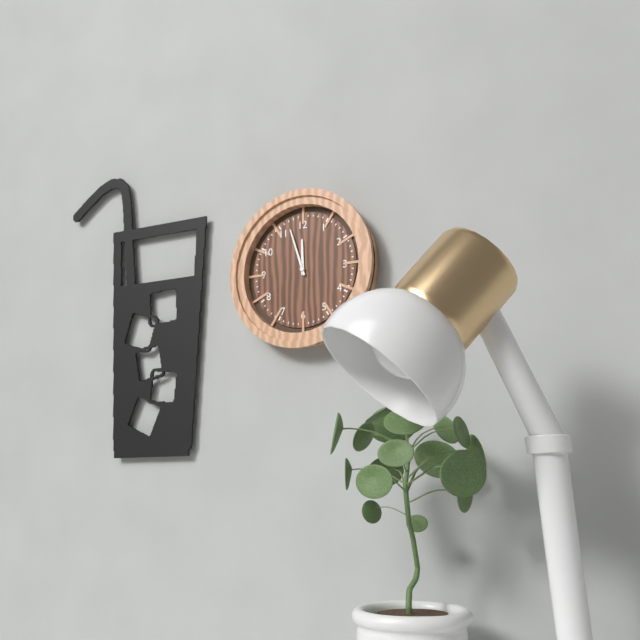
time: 11:57
